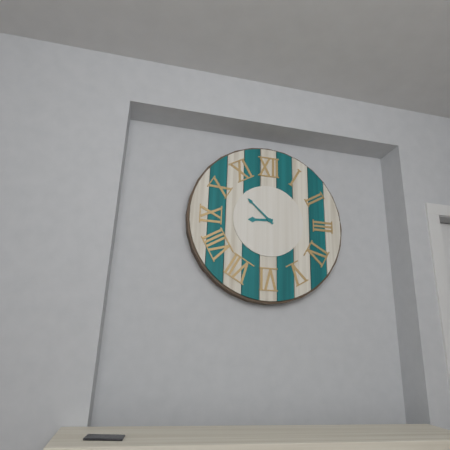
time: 8:52
